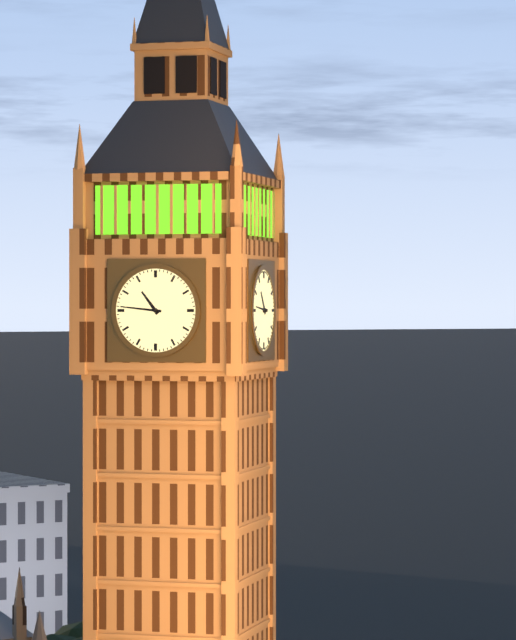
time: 10:46
